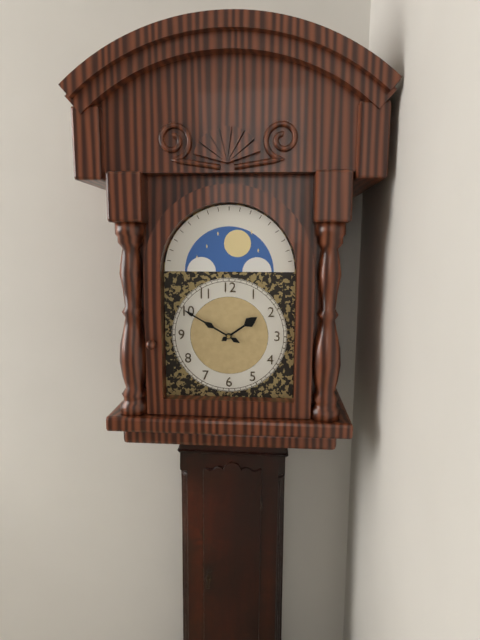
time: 1:50
